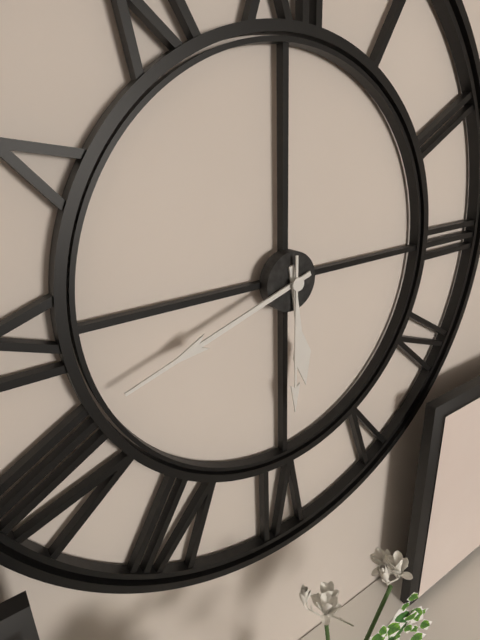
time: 5:42:30
